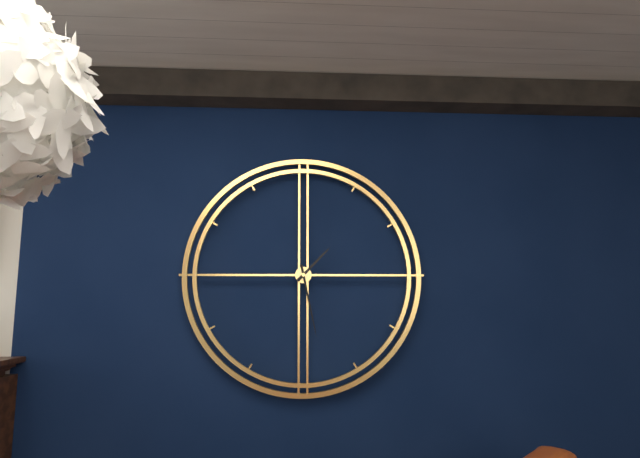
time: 1:28
